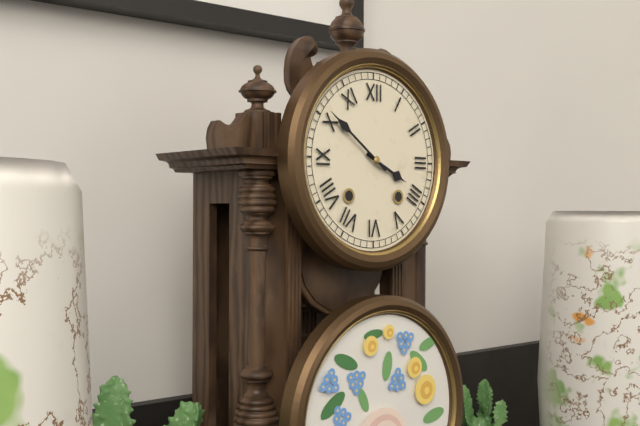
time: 3:51
